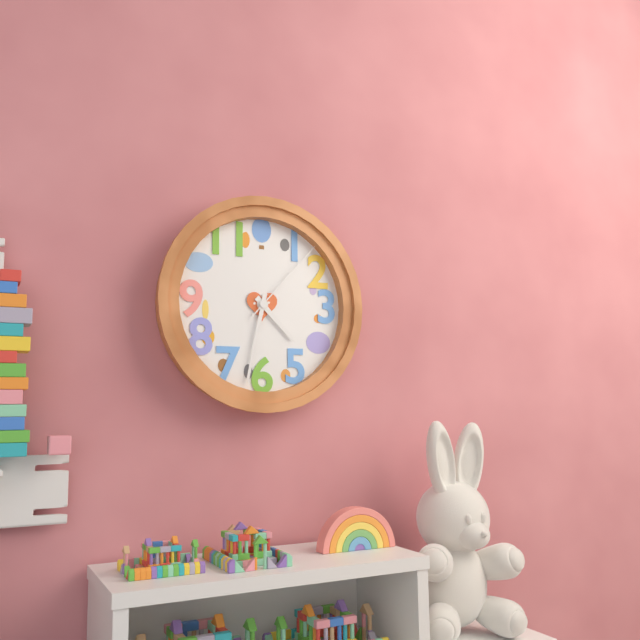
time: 4:32:07
